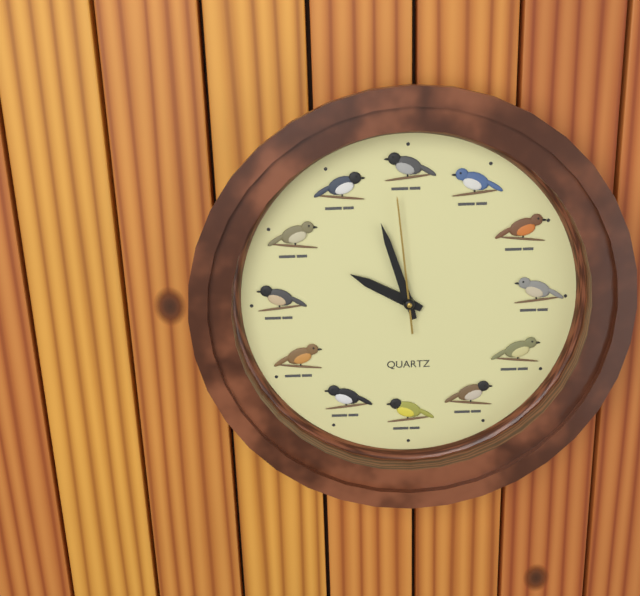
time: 9:57:59
